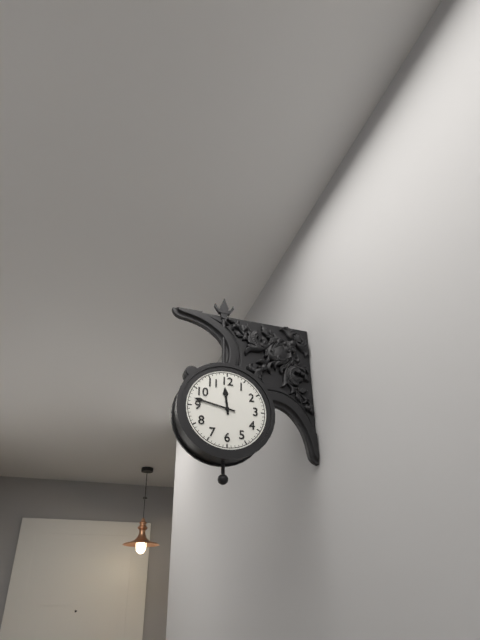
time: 11:47
